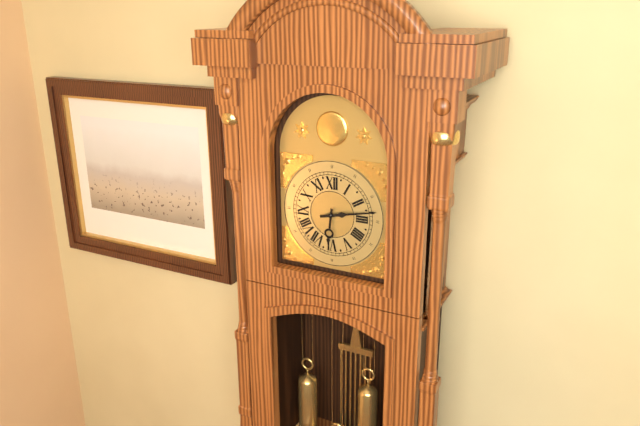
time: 6:13
